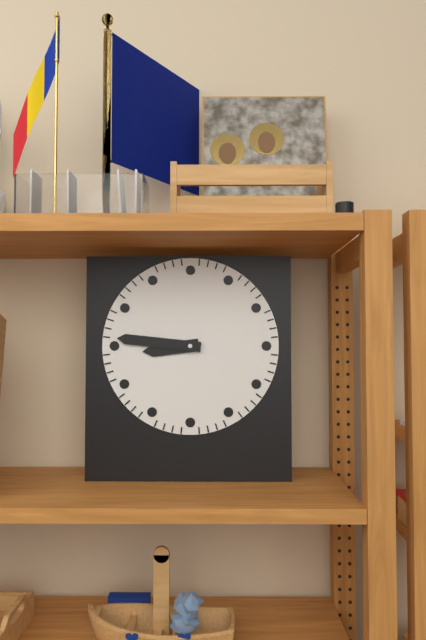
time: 8:46
